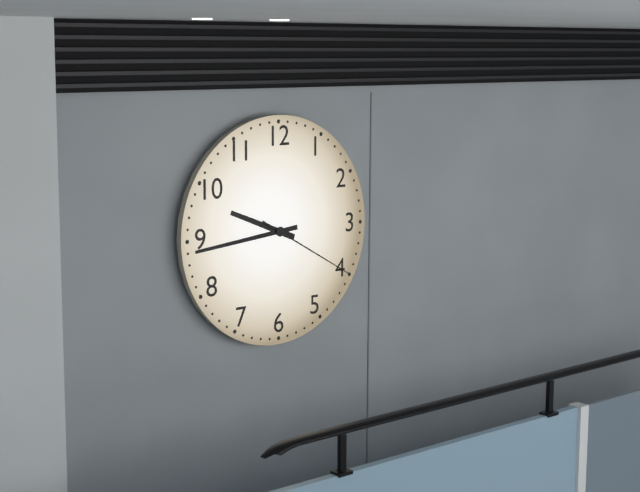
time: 9:44:20
